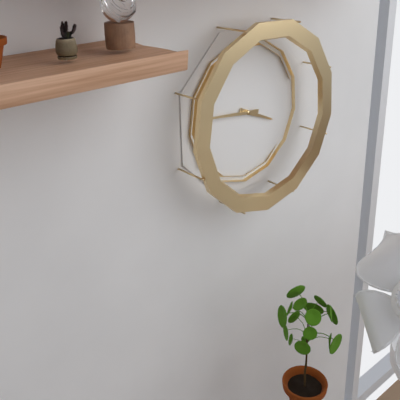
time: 3:46
